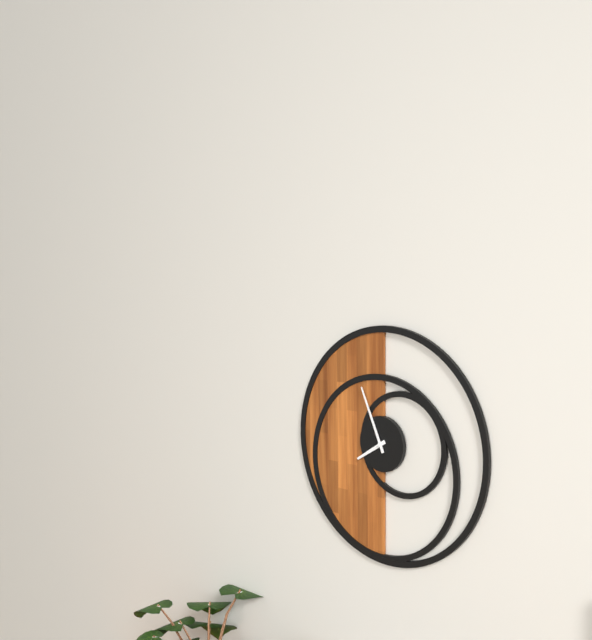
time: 7:56
